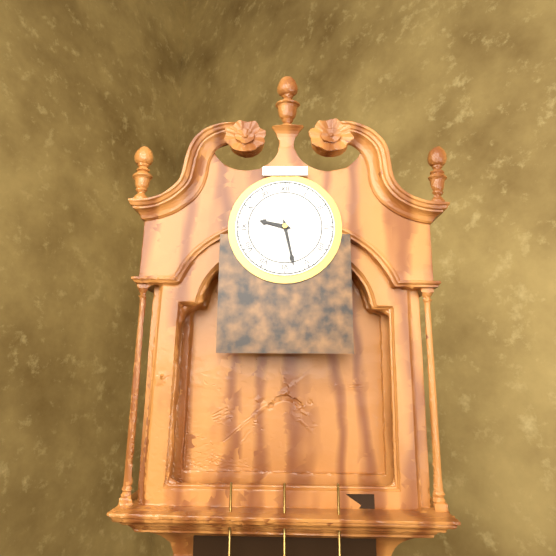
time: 9:28
